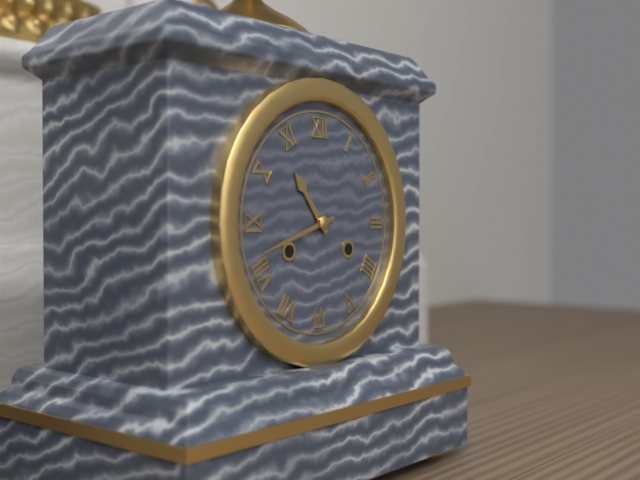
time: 10:42
